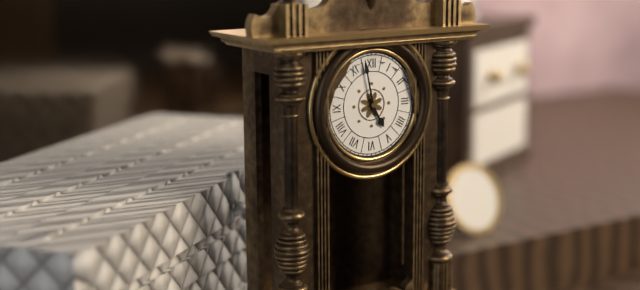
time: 4:58
